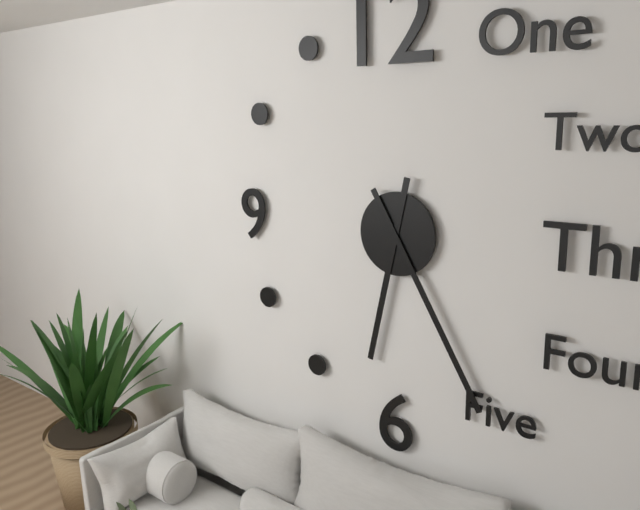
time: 6:25
